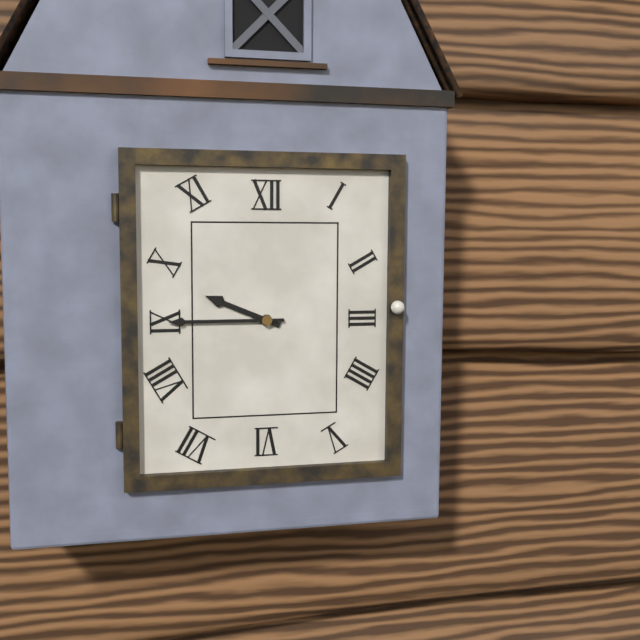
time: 9:45
